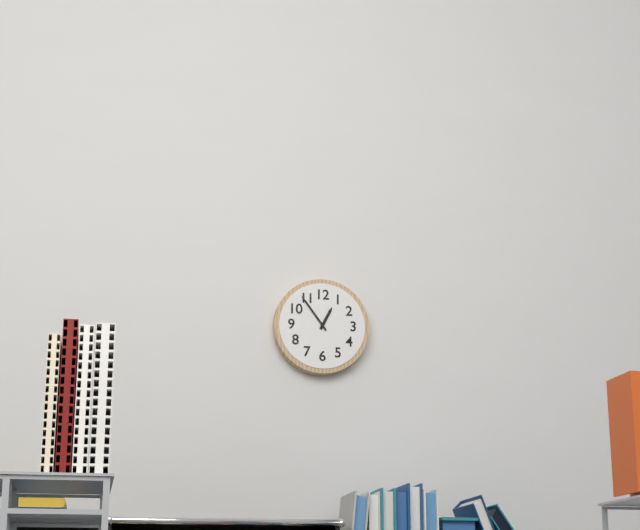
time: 12:54
